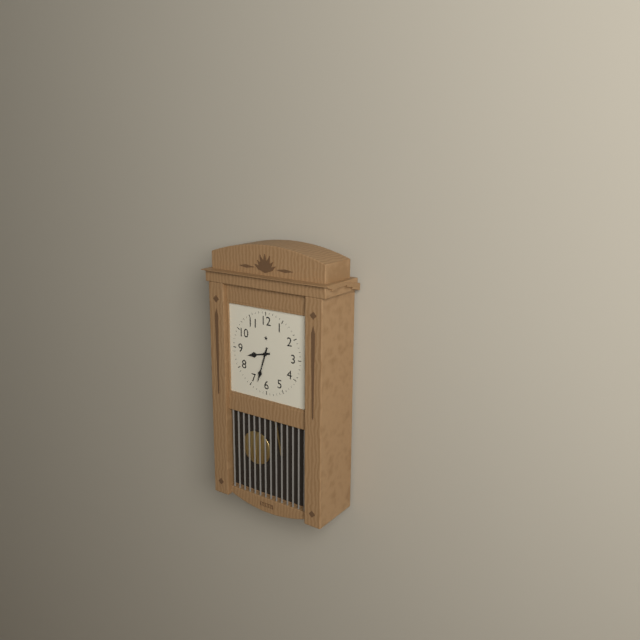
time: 8:33
